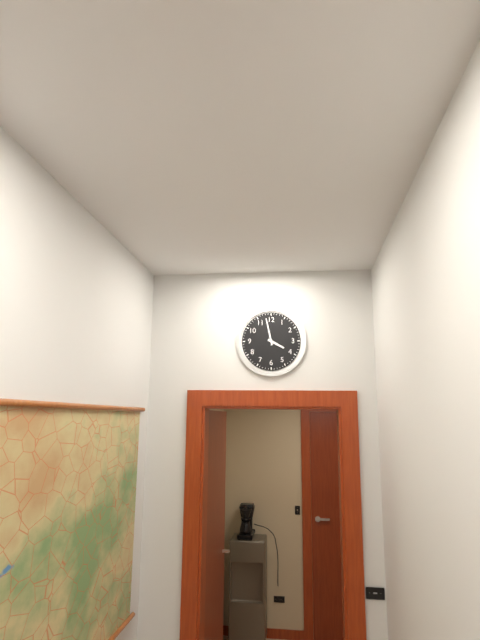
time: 3:58
